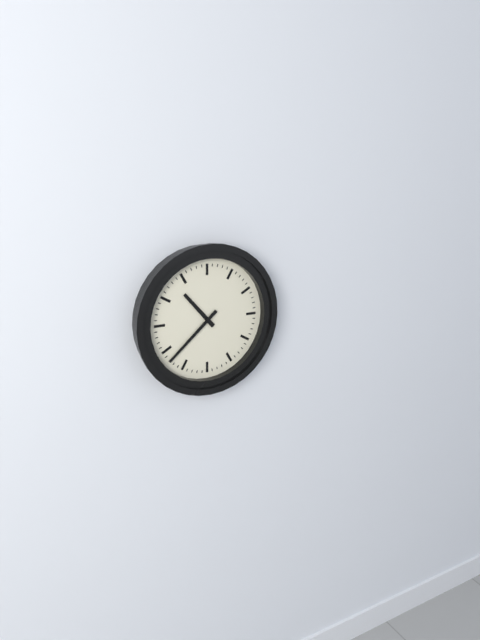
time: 10:38
